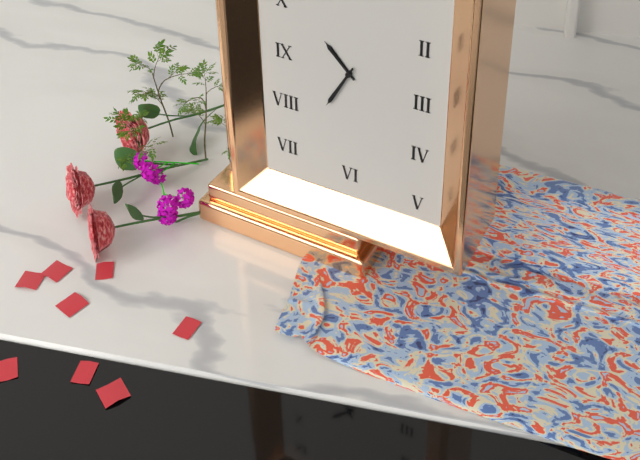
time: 10:35
